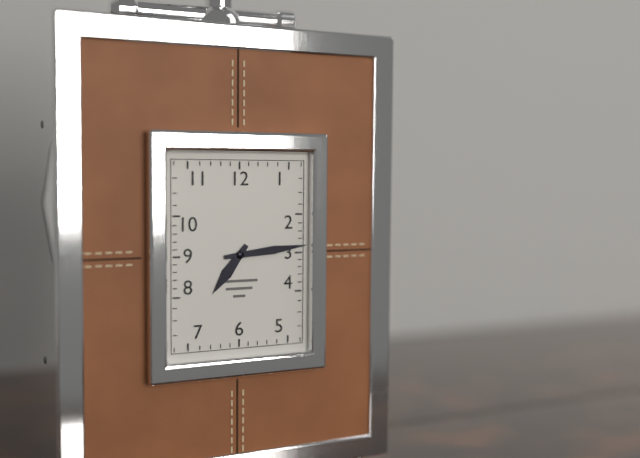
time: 7:14
